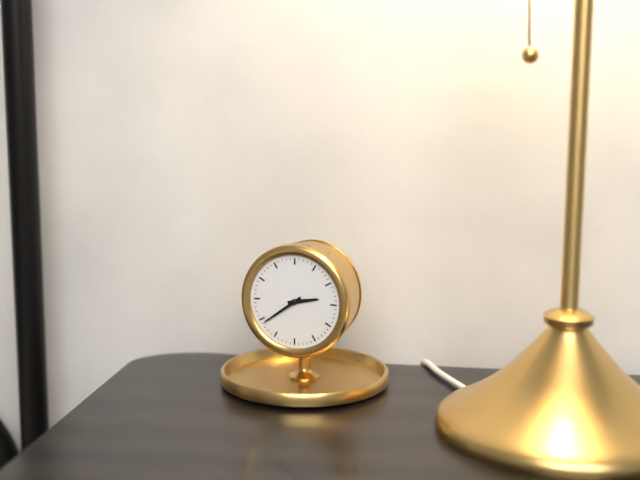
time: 2:39
